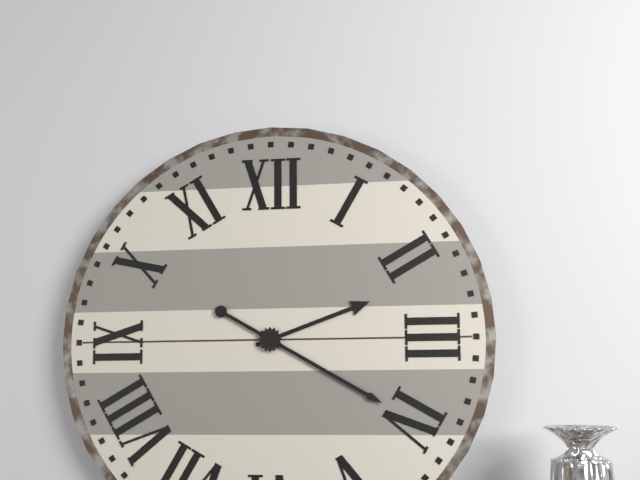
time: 2:20
